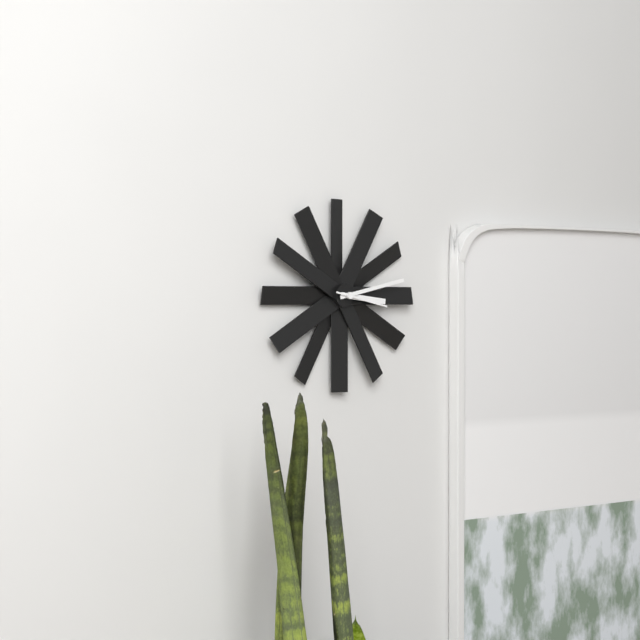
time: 3:13:17
